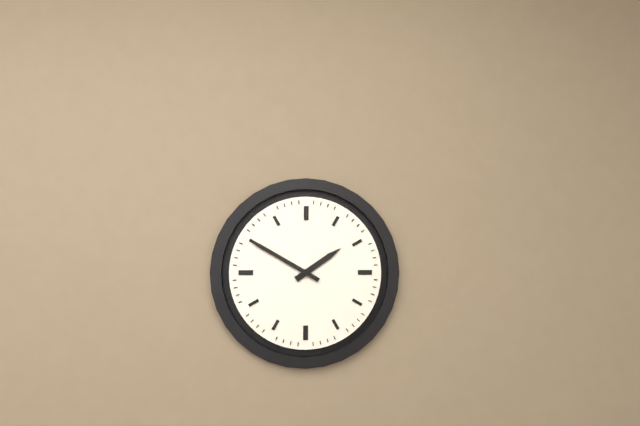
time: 1:50
